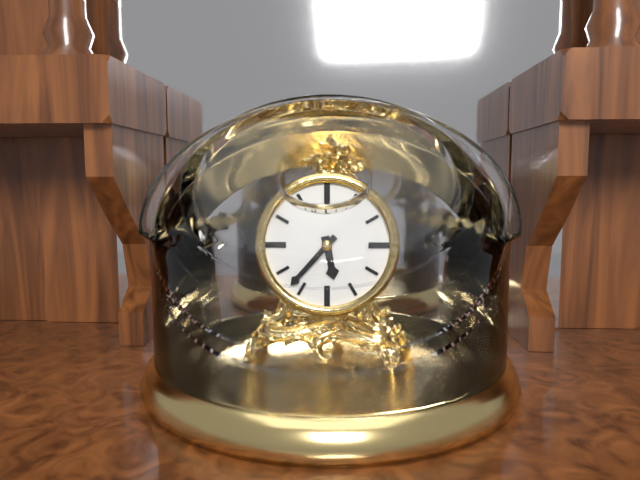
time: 5:37
